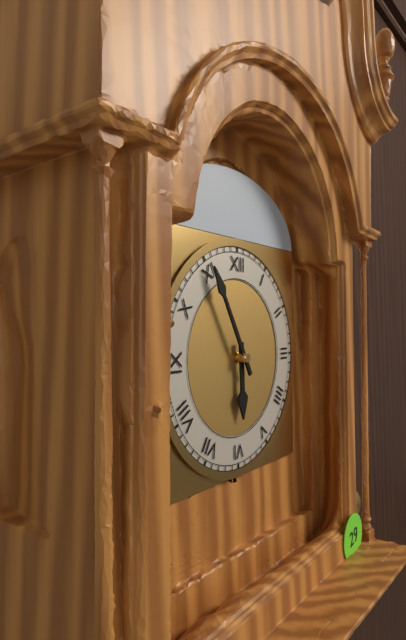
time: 5:55
